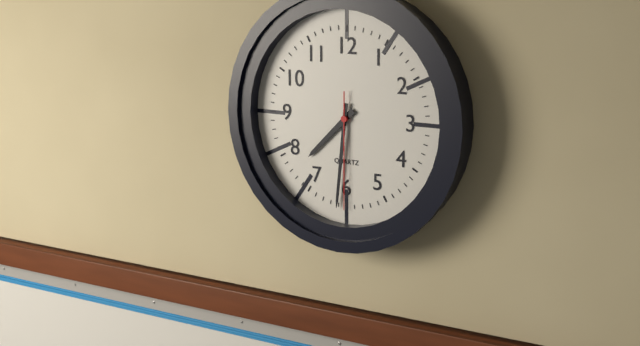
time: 7:31:30
